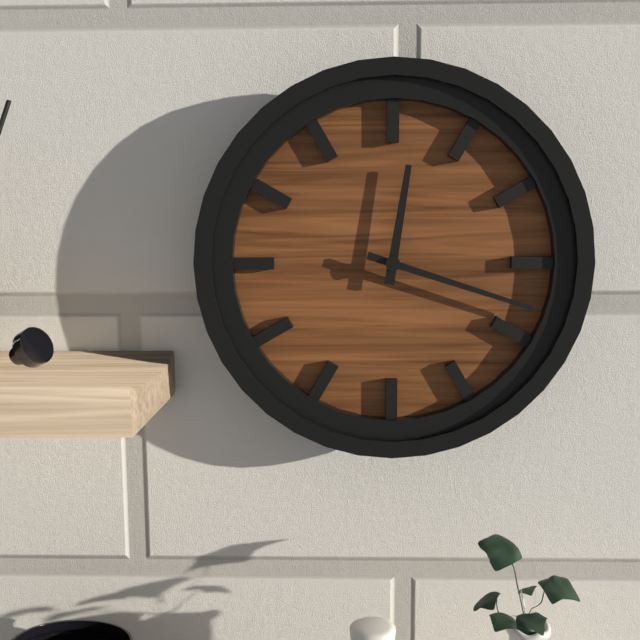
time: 12:18
